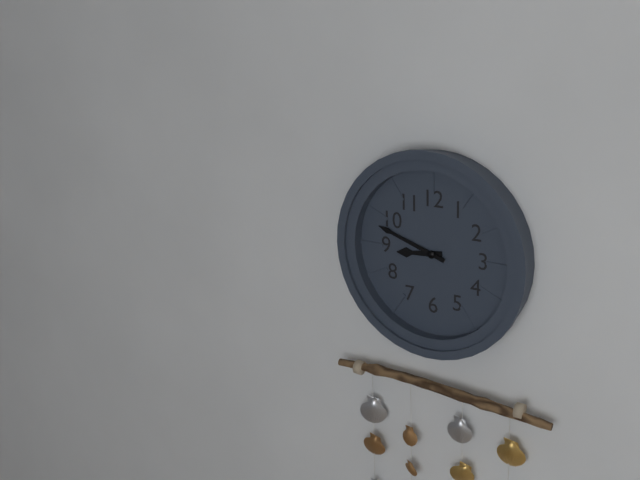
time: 8:48
